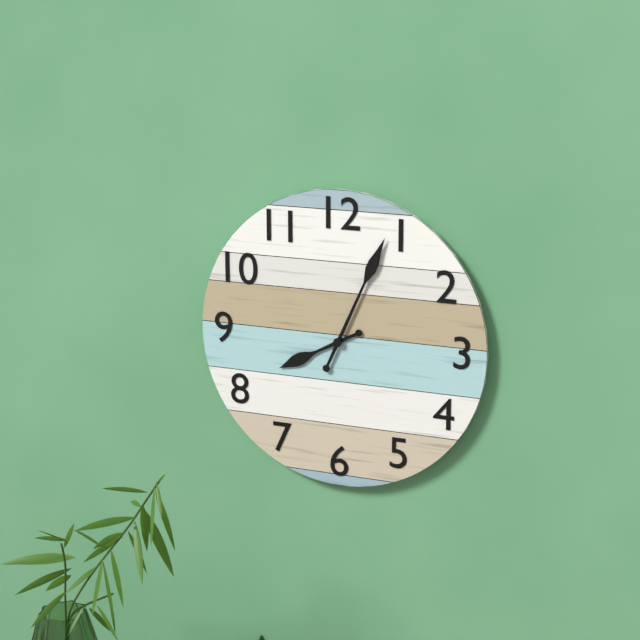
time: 8:04
